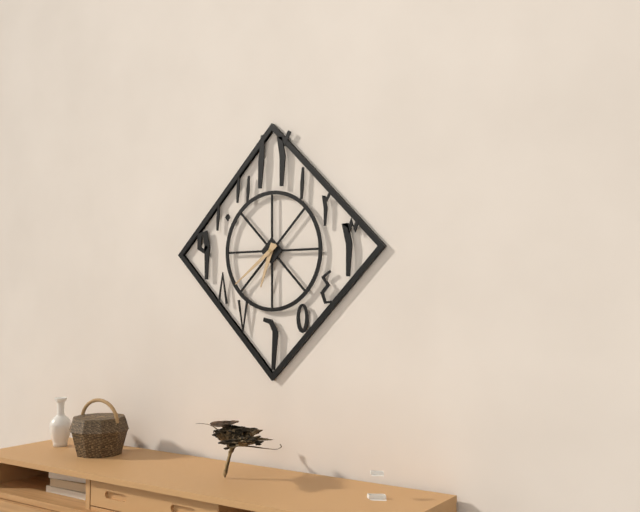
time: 6:39
